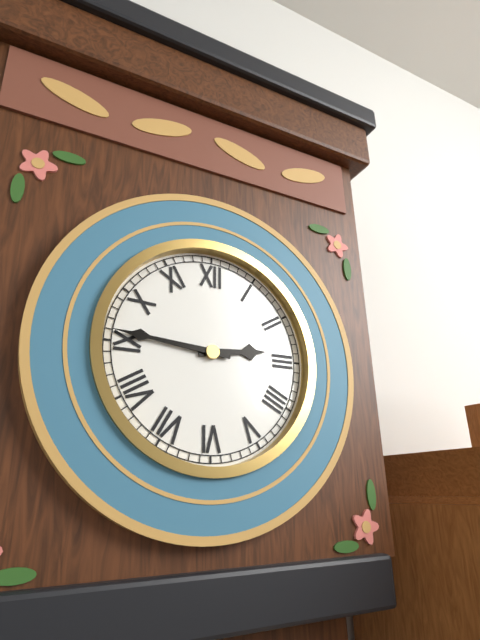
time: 2:46
